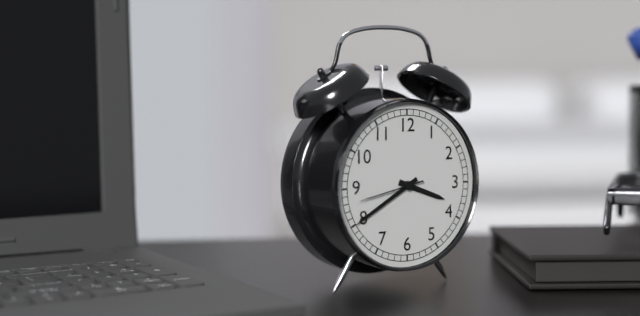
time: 3:40:43
